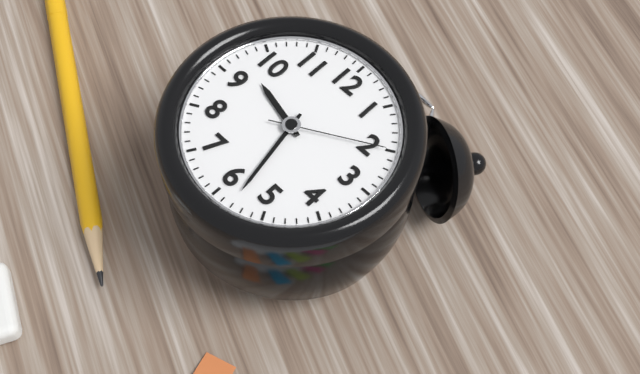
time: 9:28:10
